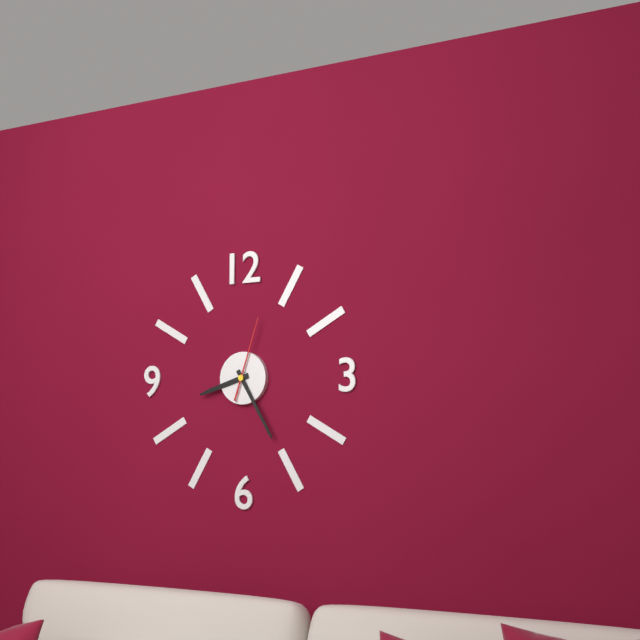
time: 8:25:03
